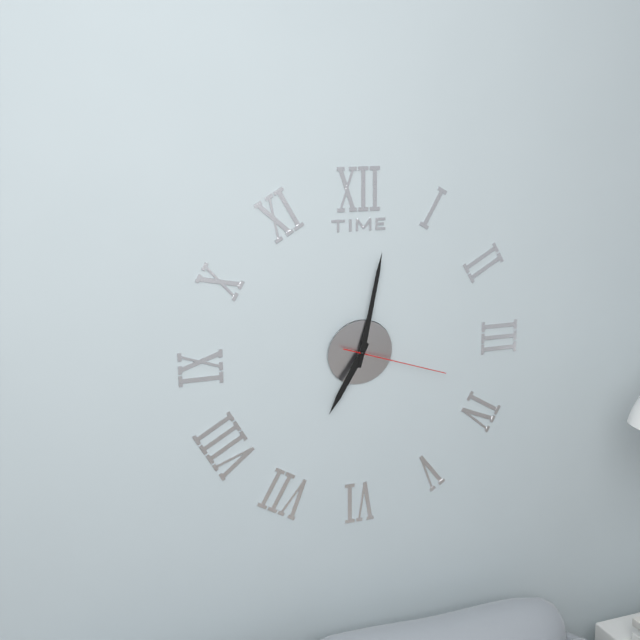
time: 7:02:18
